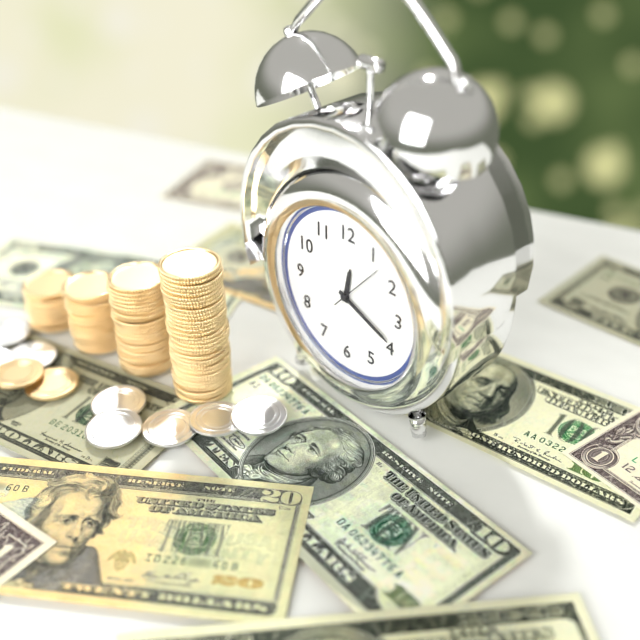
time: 12:19:07
